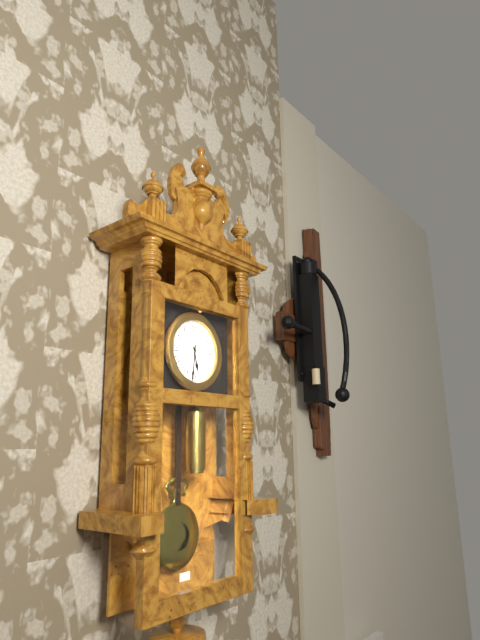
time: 5:31
